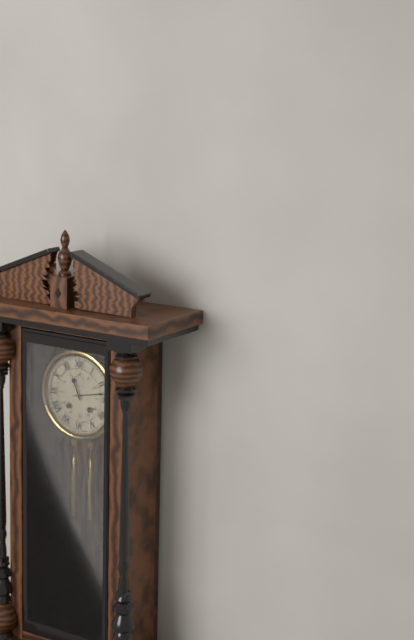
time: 11:13
